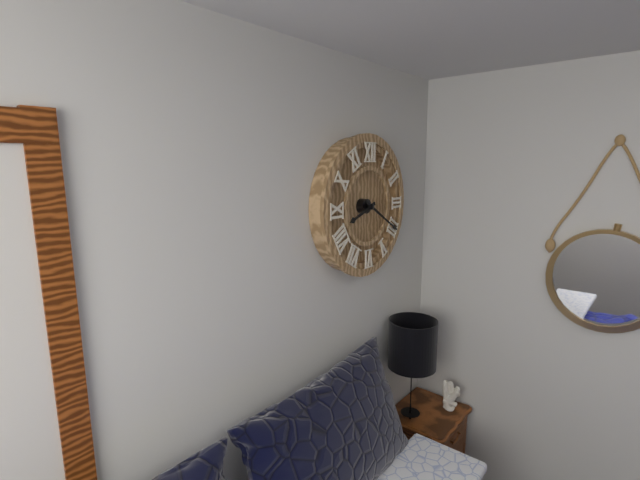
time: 8:20
